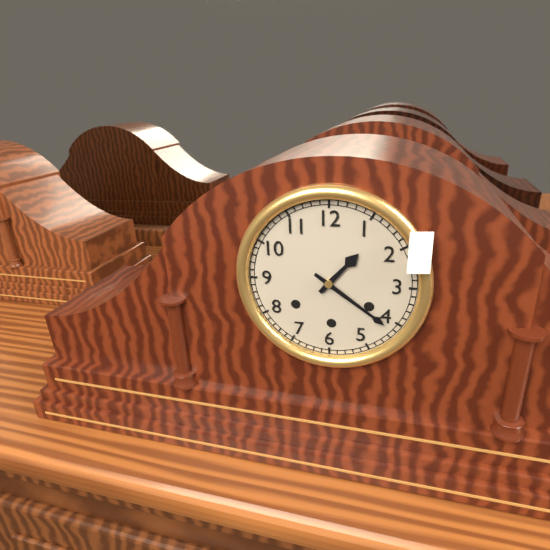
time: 1:21
